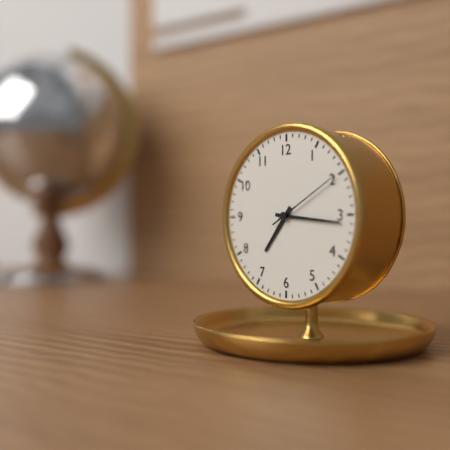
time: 7:16:10
